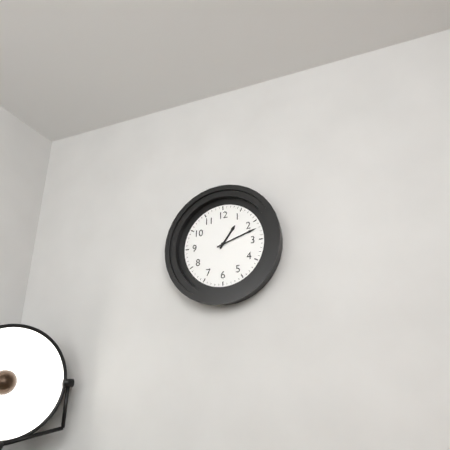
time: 1:12
